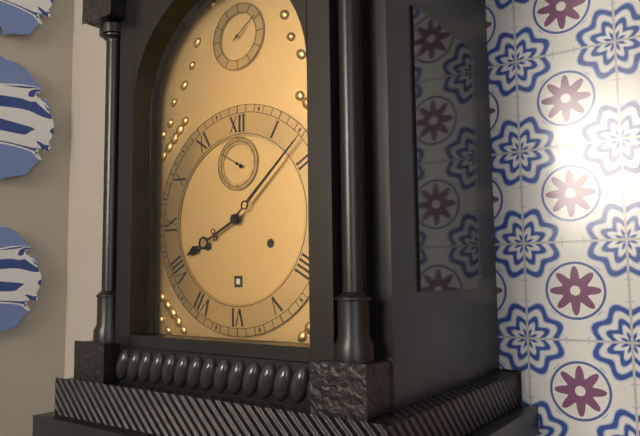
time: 8:08
